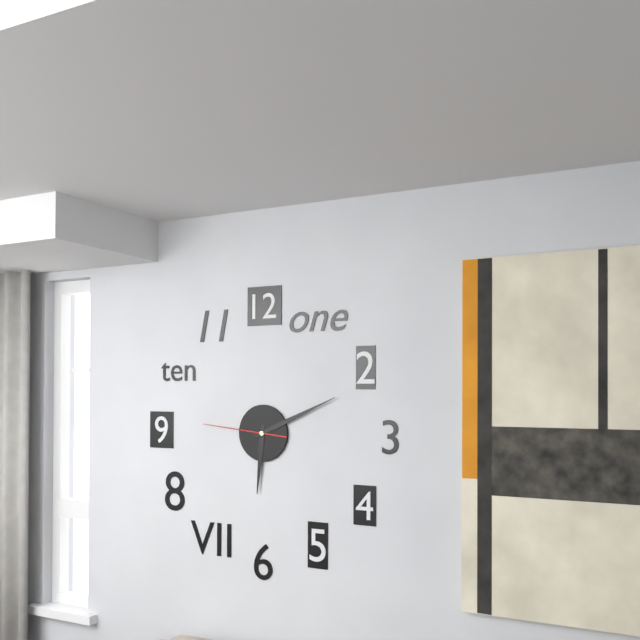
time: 6:11:46
